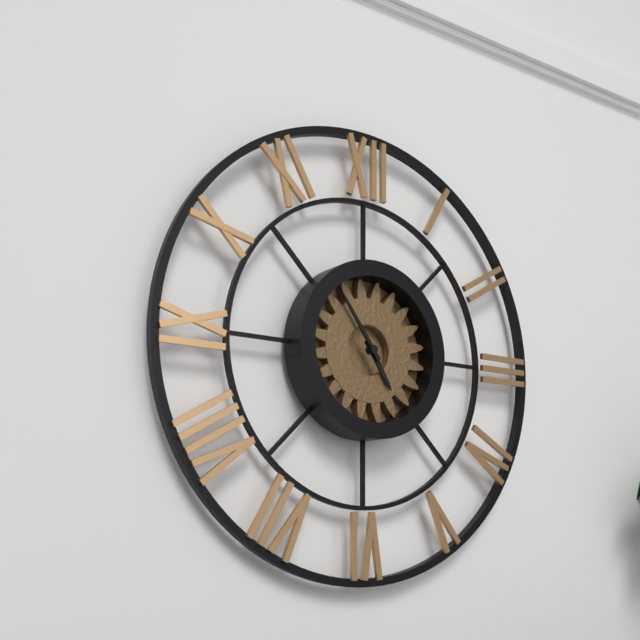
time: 4:54
